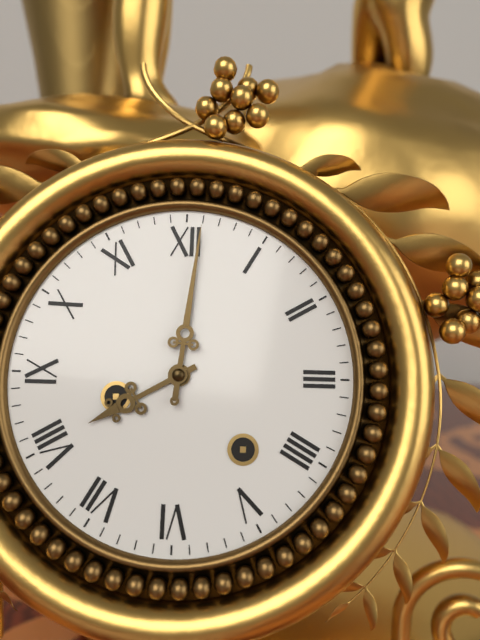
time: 8:01
